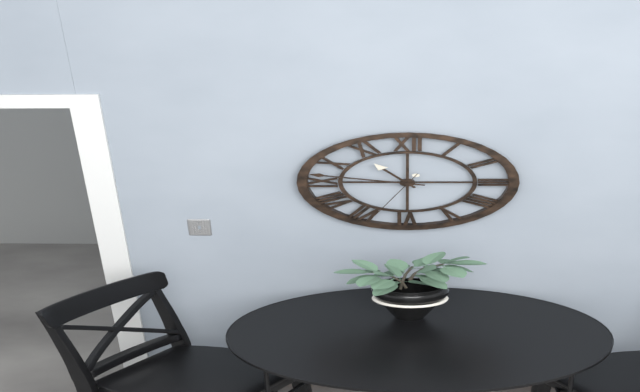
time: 10:47:34
